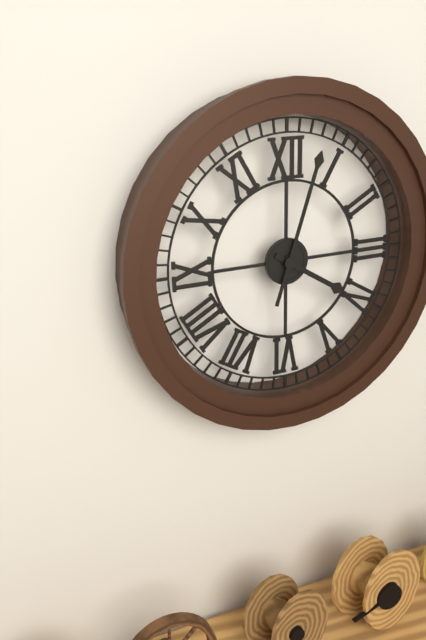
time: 4:03
